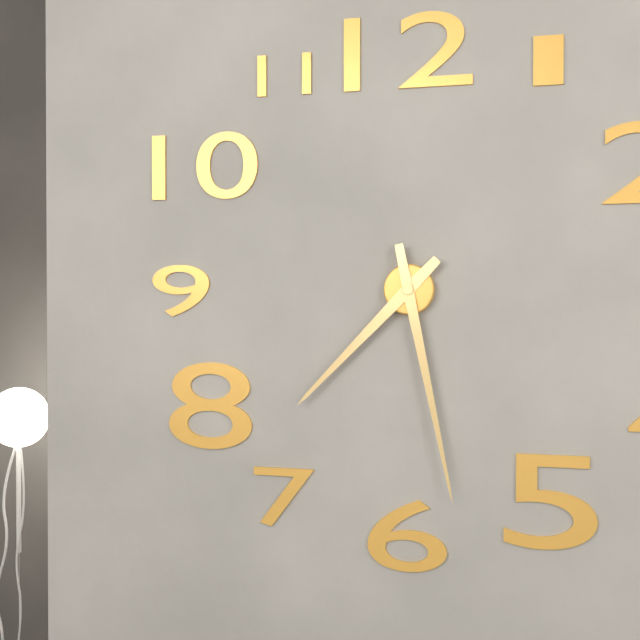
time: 7:28
